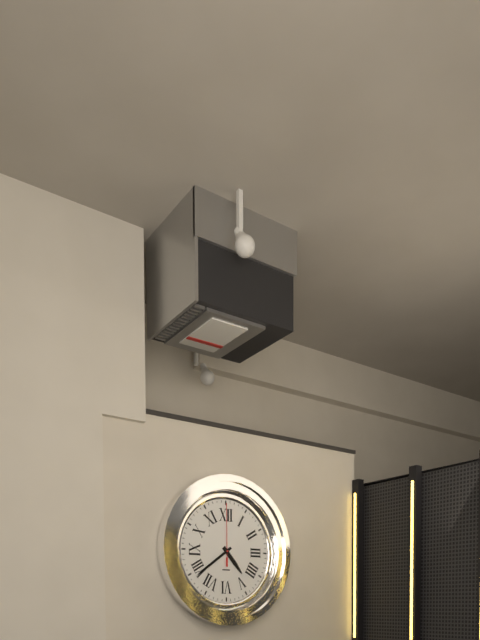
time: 4:39:00
